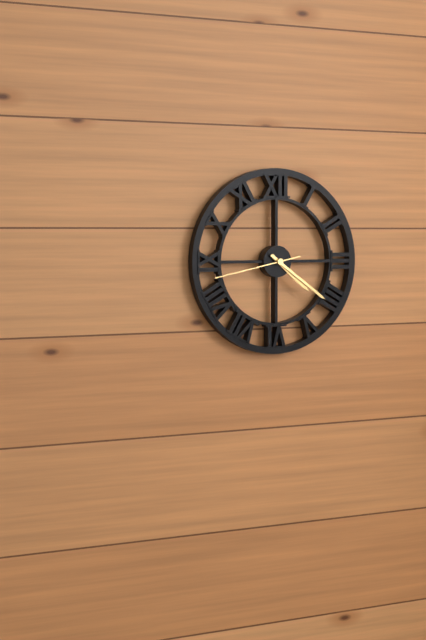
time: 4:21:43
